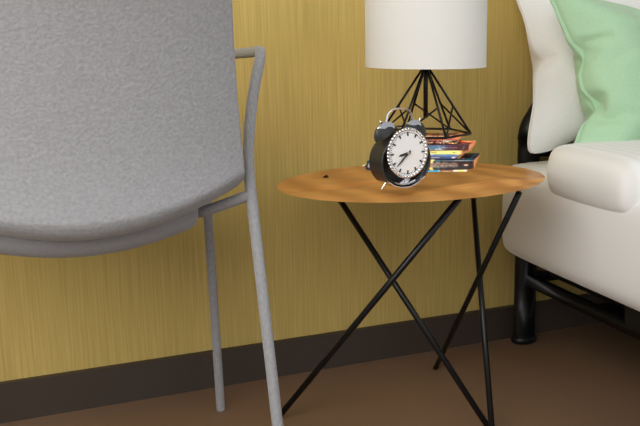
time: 8:38
